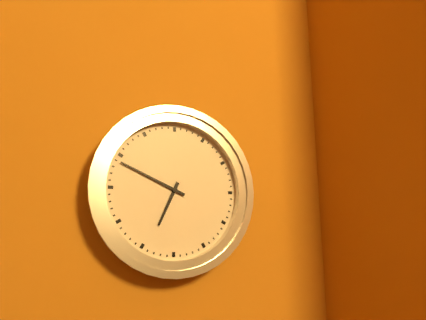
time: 6:49
